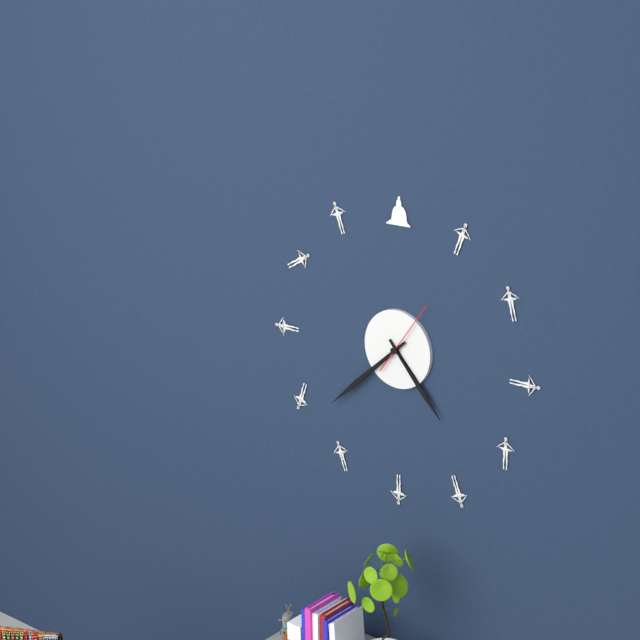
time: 4:38:06
